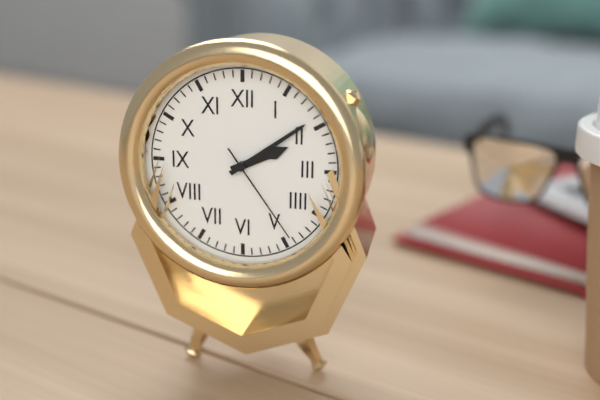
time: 2:09:24
